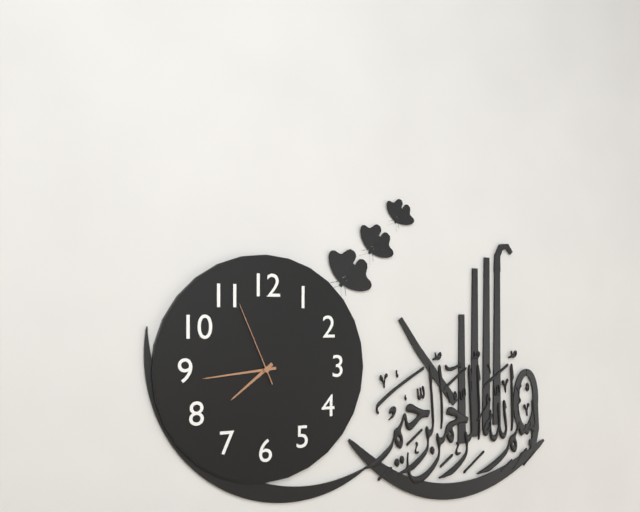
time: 7:44:56
